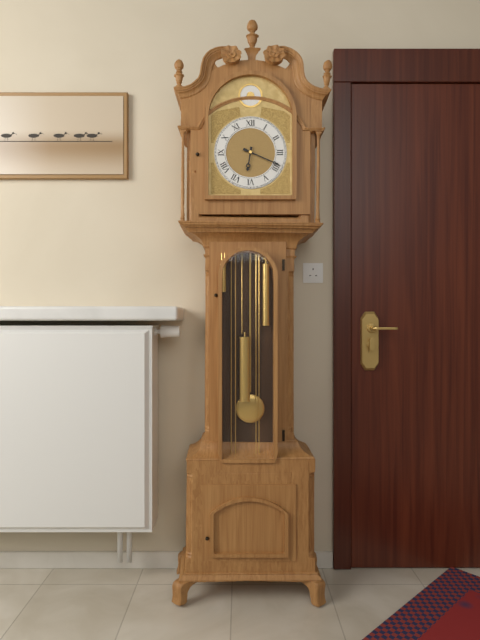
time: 6:19
